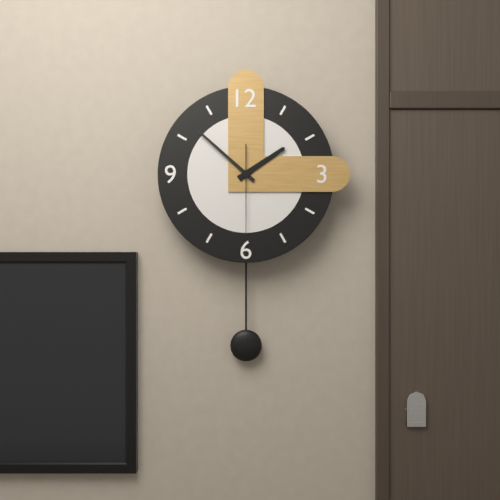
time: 1:52:30
